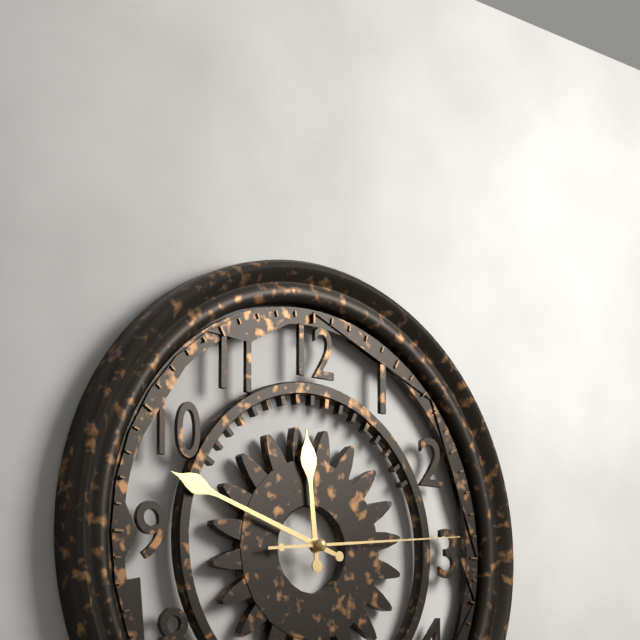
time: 11:48:14
